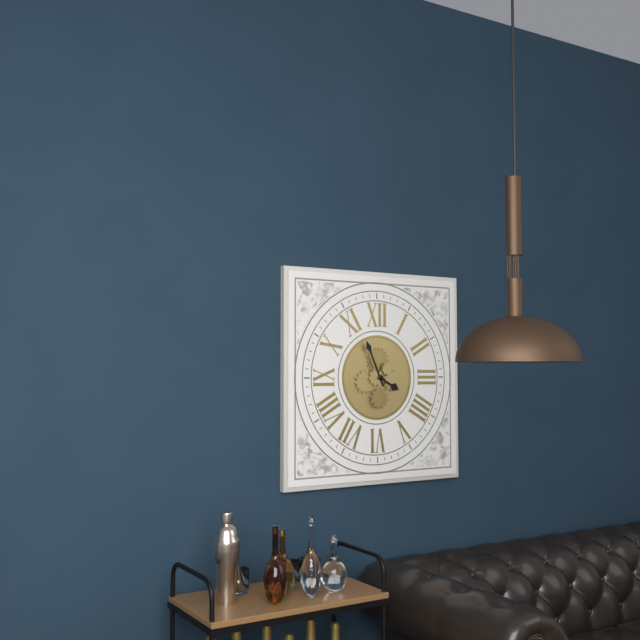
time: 3:56
